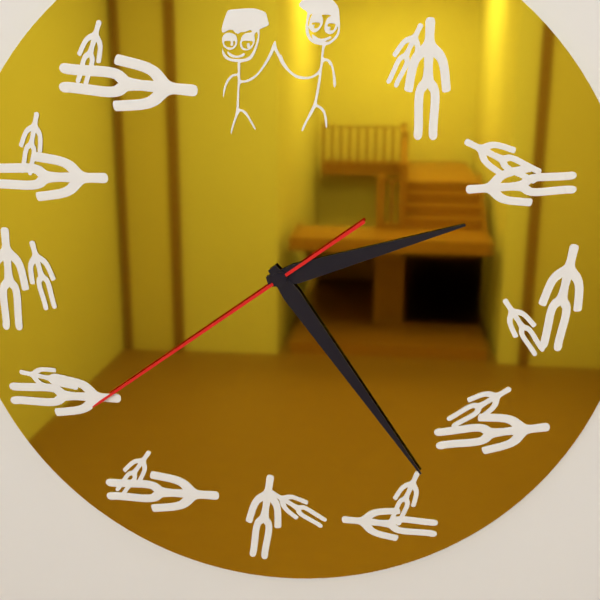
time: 2:24:39
